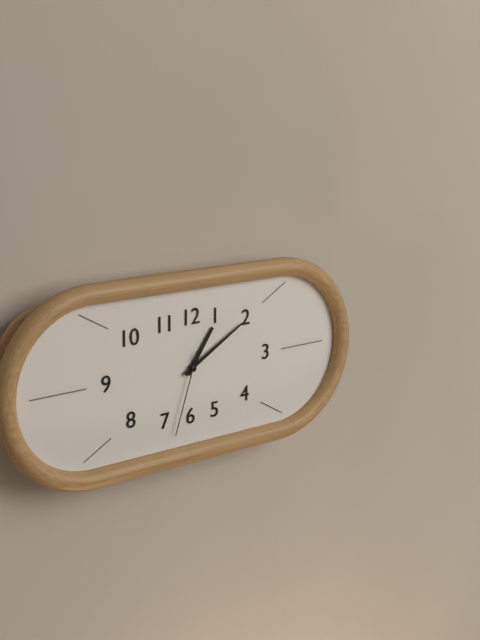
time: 1:10:33
